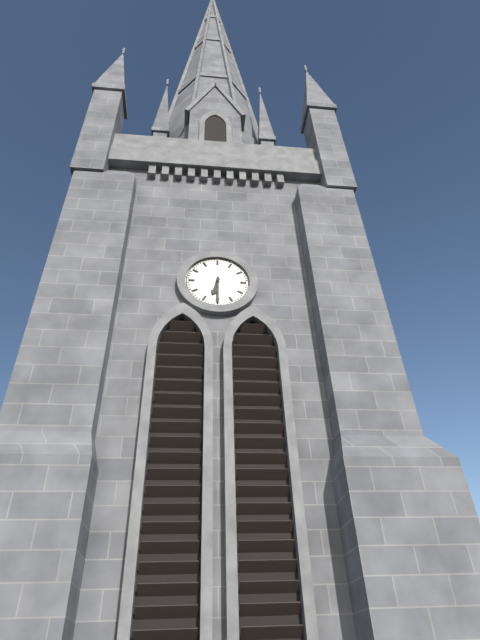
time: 6:30
